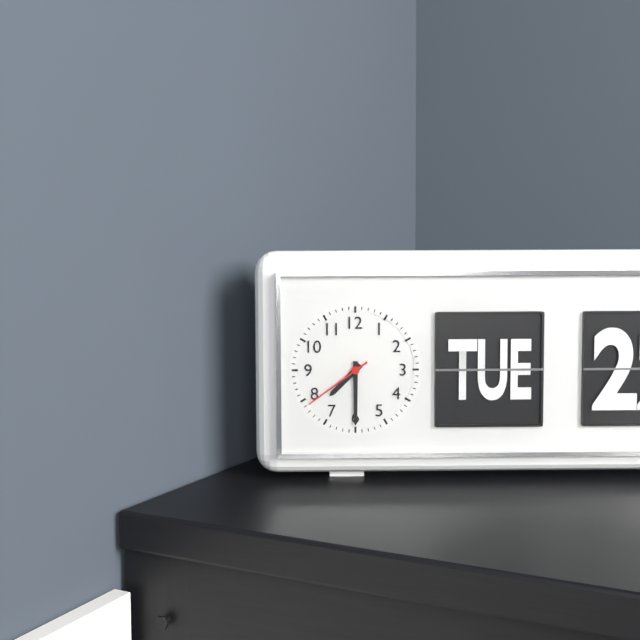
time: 7:30:39
